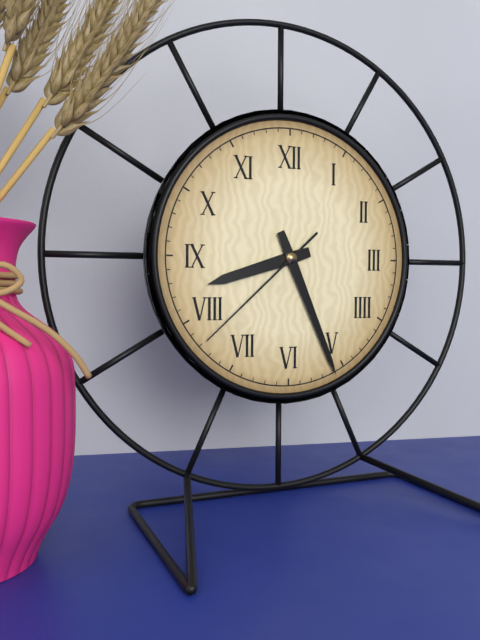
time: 8:26:38
